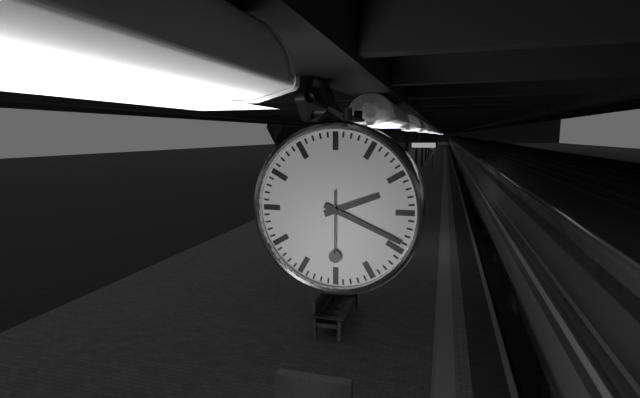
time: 2:19:30
